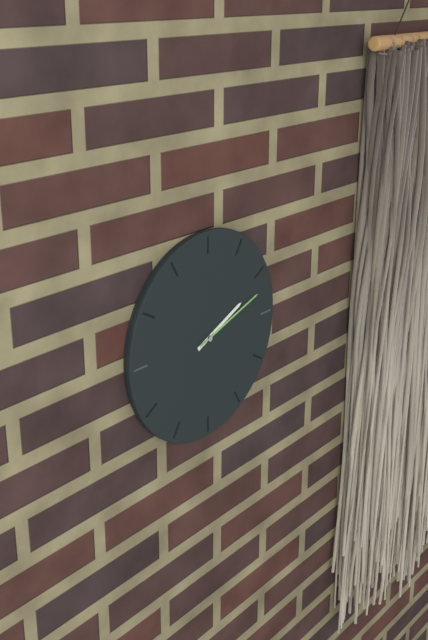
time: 2:12
